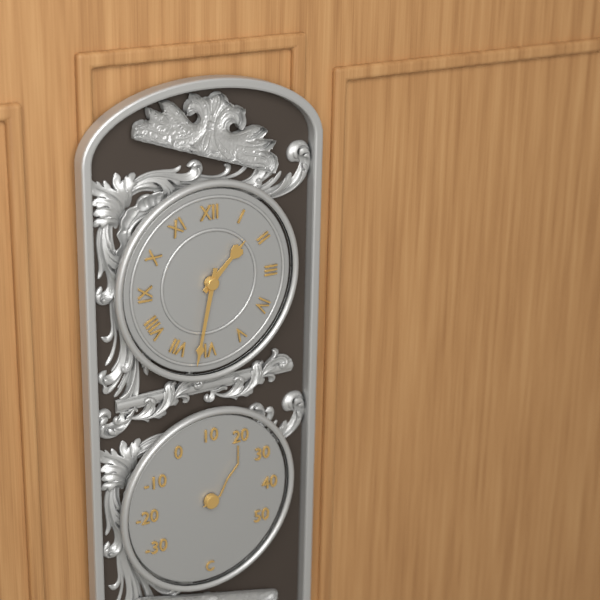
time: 1:32
